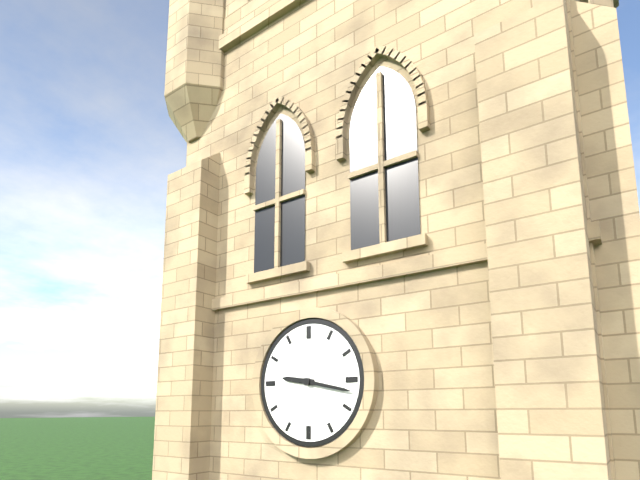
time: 9:17
